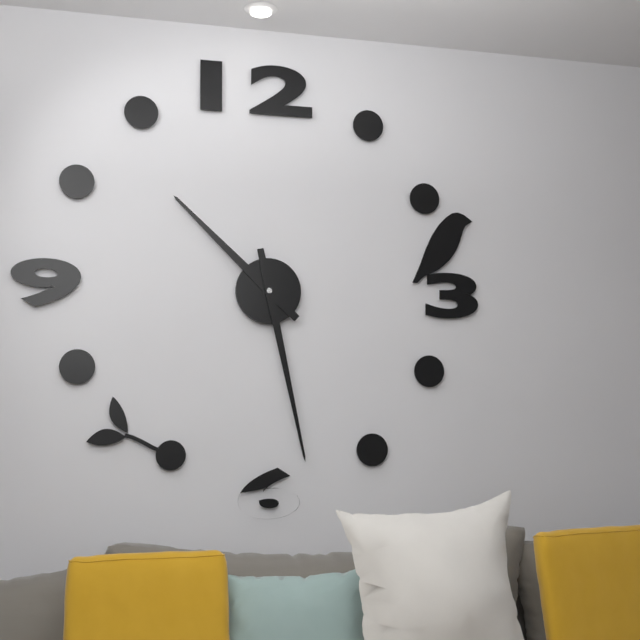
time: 10:28
